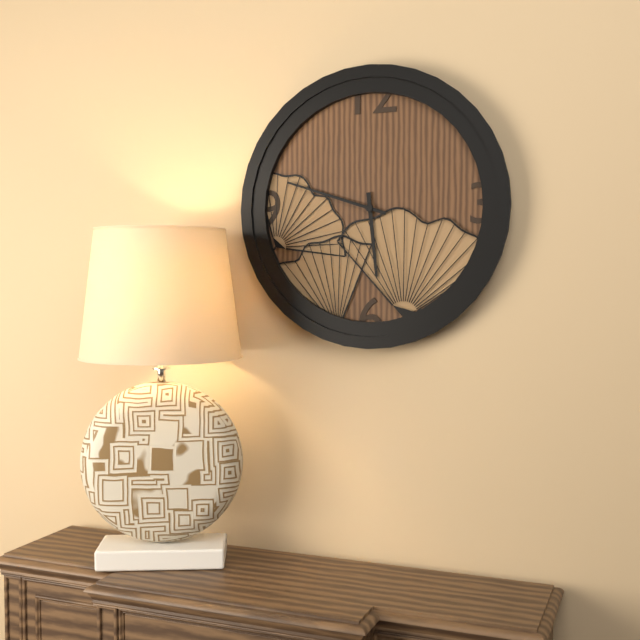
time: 5:48
